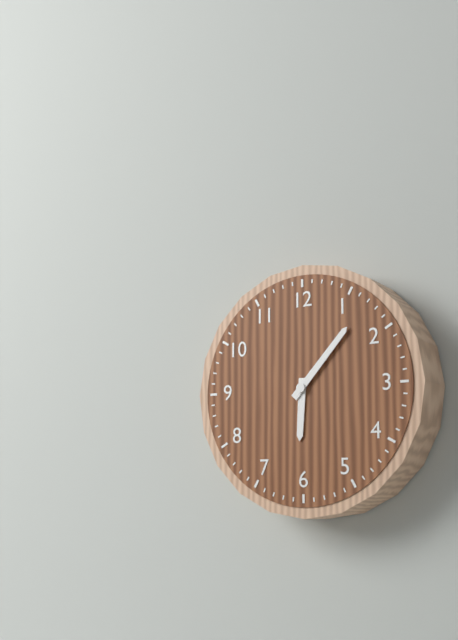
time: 6:07
